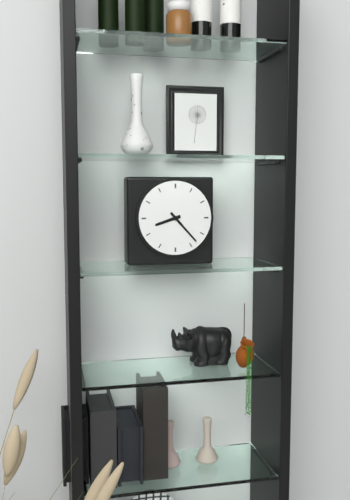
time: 8:23
